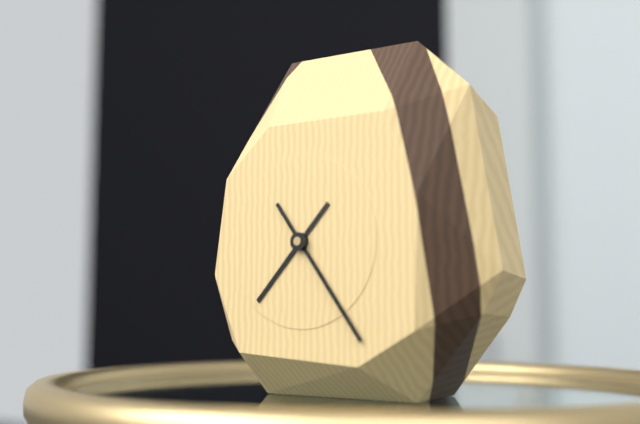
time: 7:24
